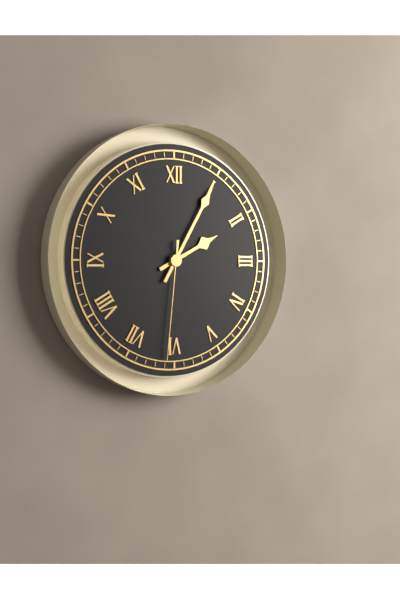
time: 2:05:31
